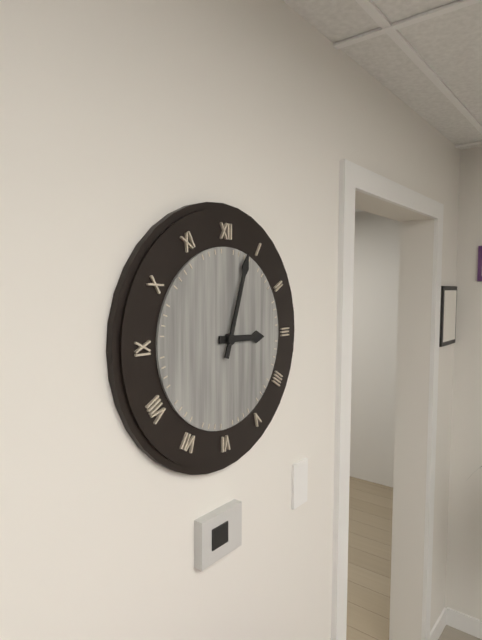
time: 3:03
